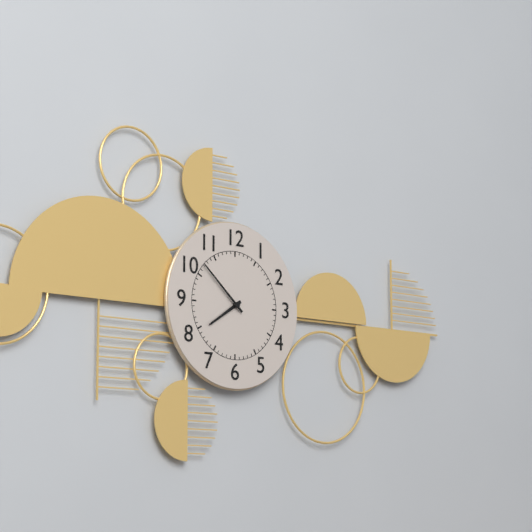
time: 7:52
